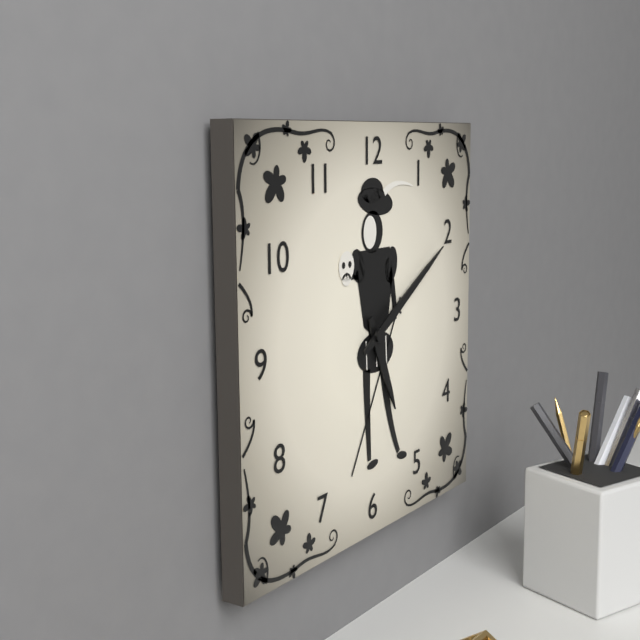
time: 5:10
